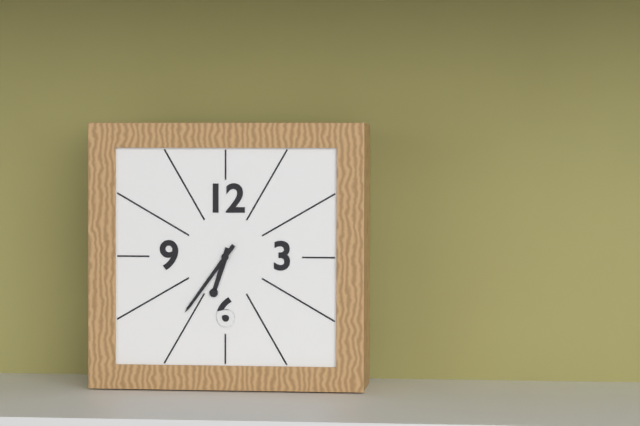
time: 6:36
